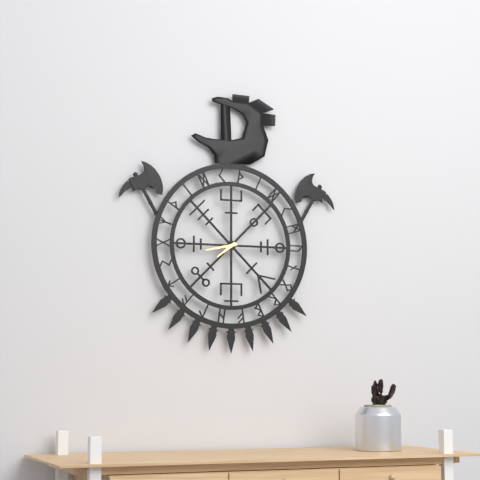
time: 7:43
